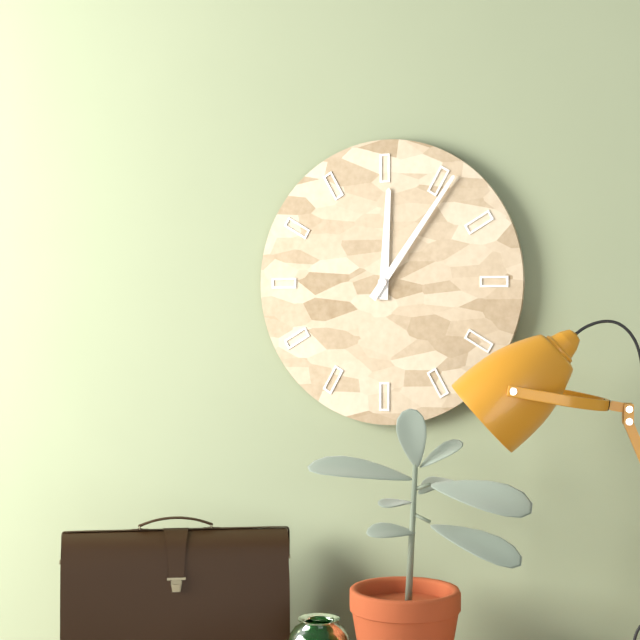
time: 12:06
